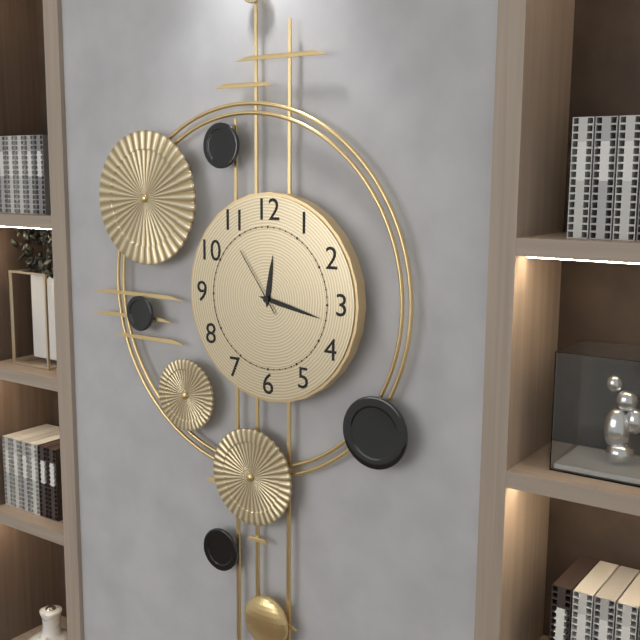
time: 12:17:54
